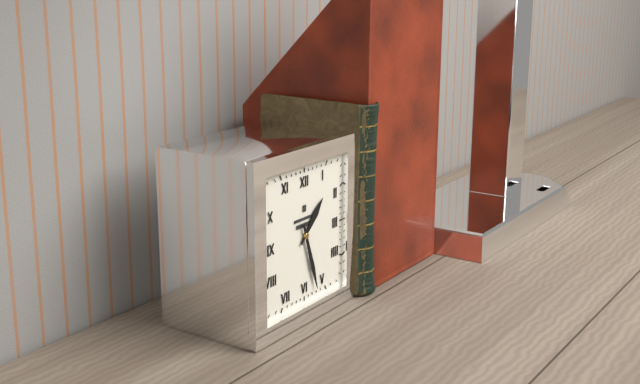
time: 1:27
